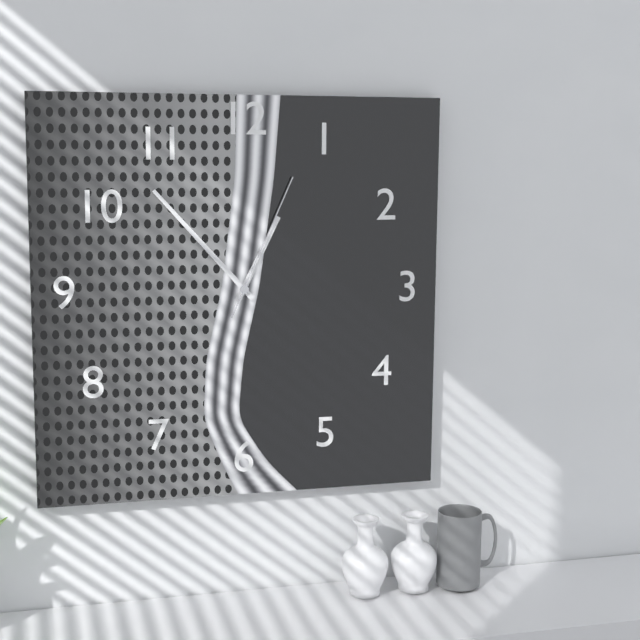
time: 12:53:04
